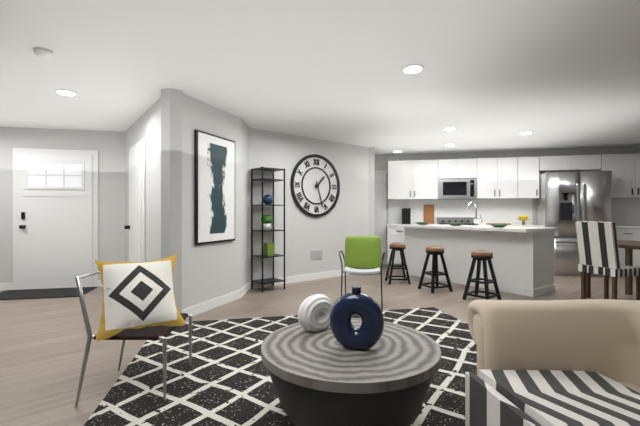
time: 1:27
